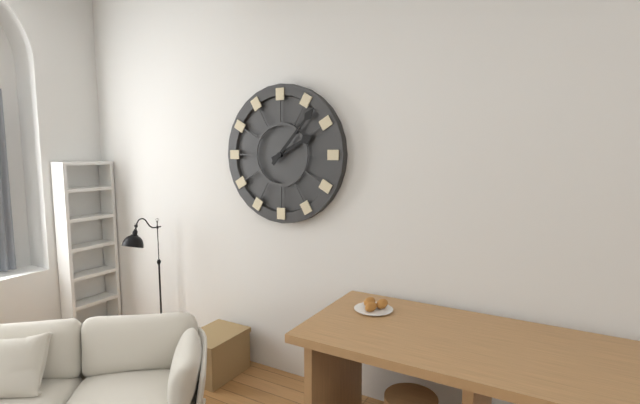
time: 2:07
